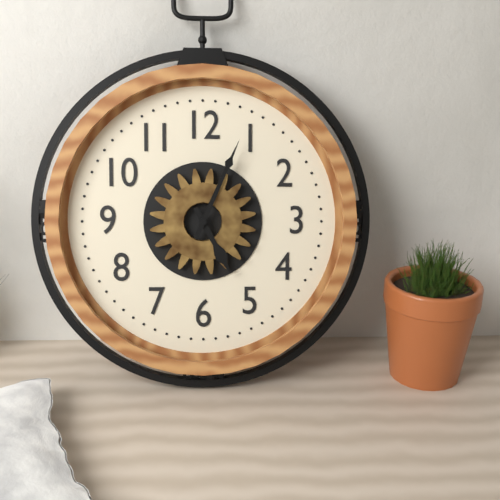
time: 5:04
